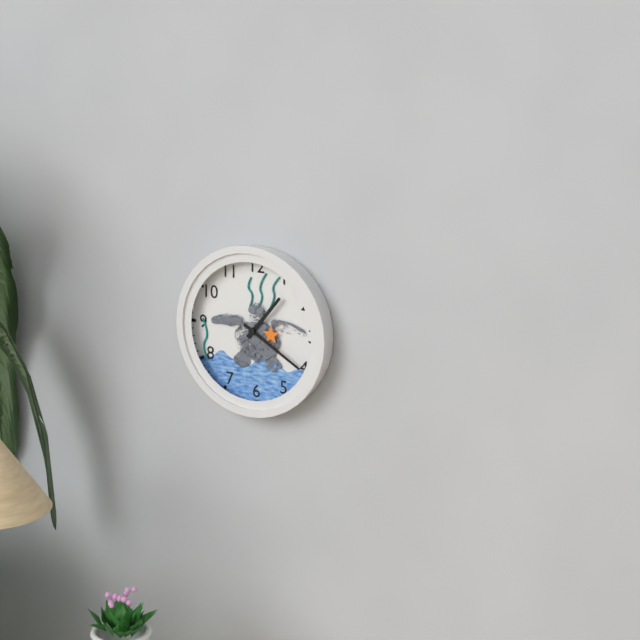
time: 1:20
